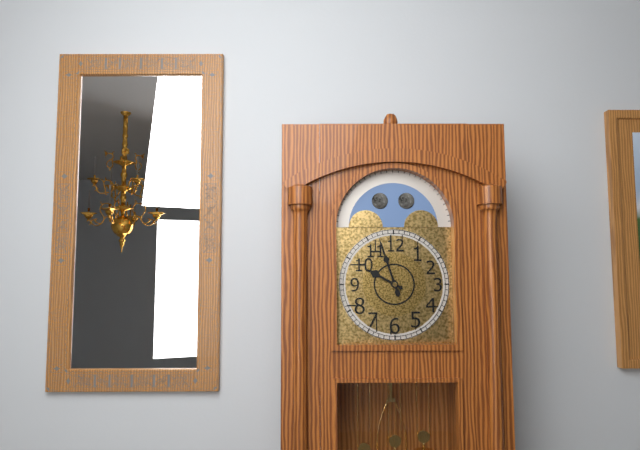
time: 9:57
